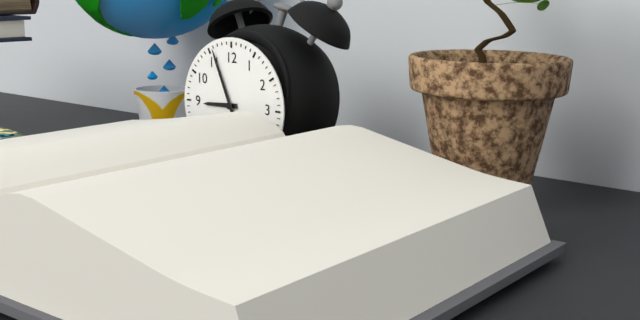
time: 8:56
